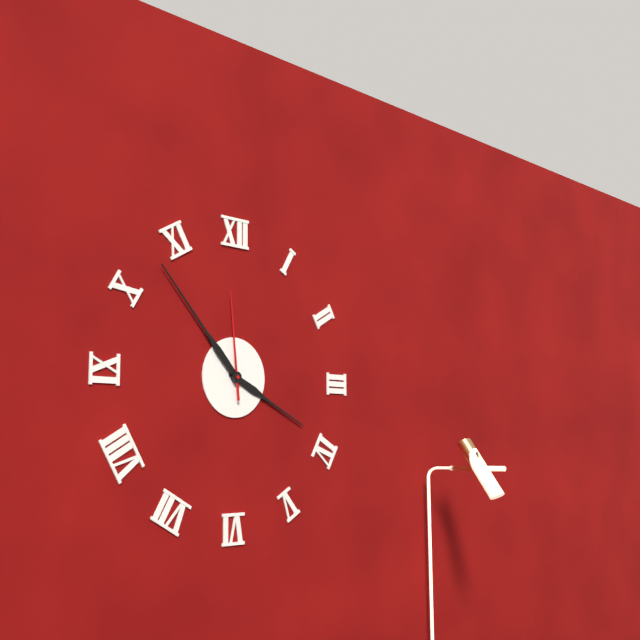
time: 3:53:59
